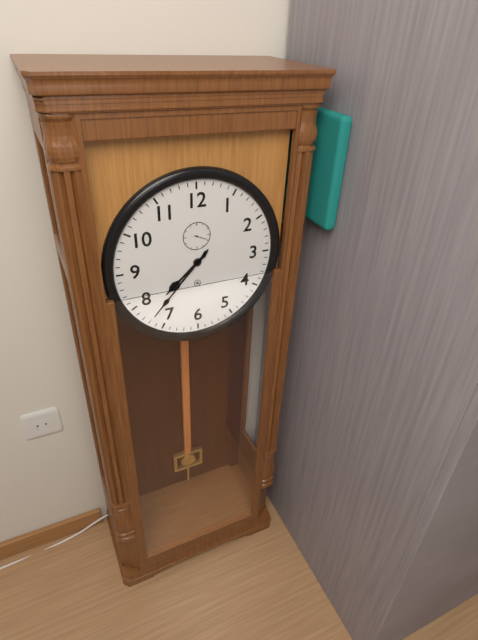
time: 7:37
